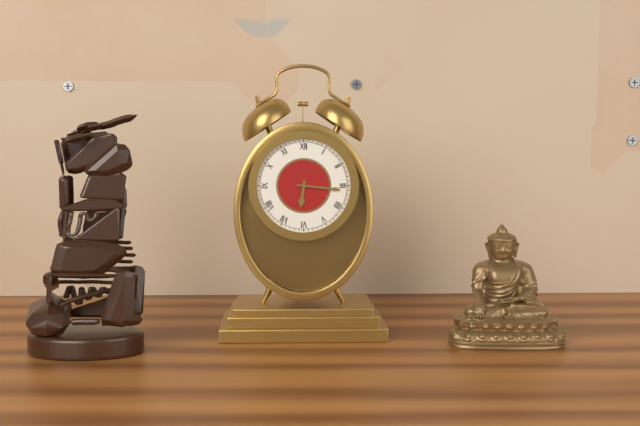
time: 6:16
